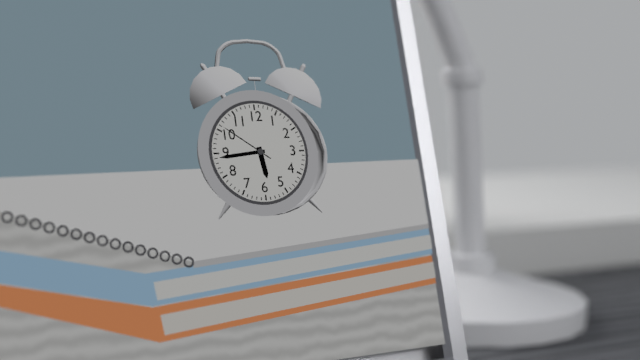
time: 5:44:51
